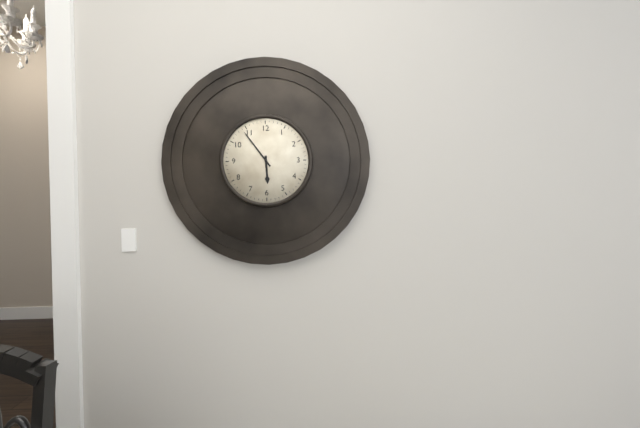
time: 5:54
